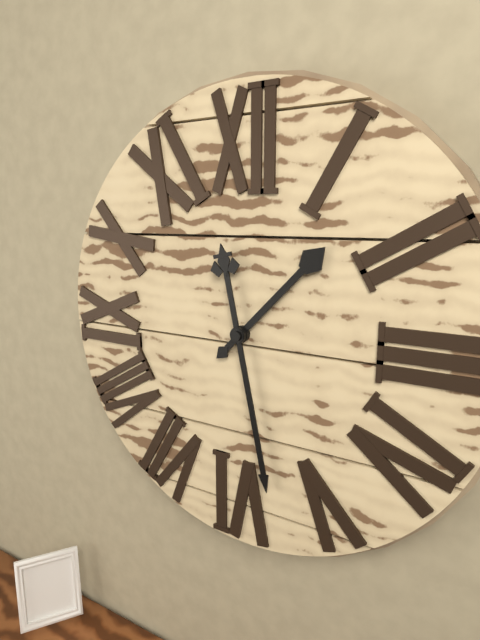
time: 1:28
